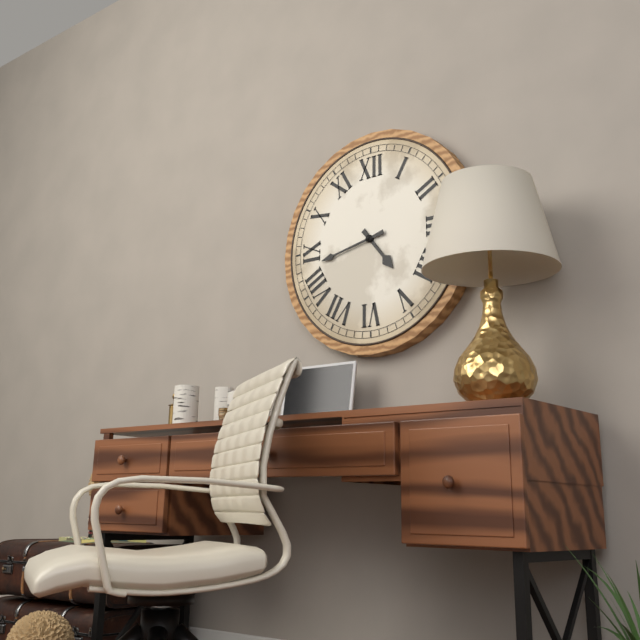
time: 4:43
